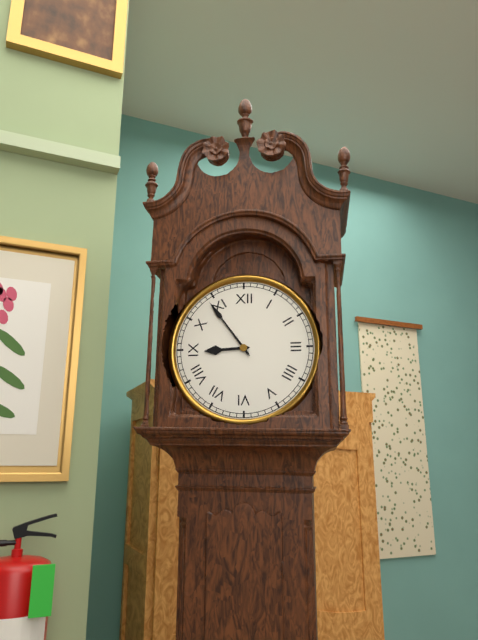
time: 8:54
